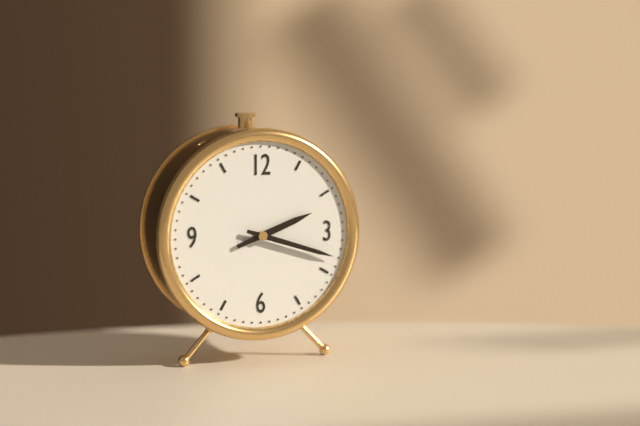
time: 2:18
